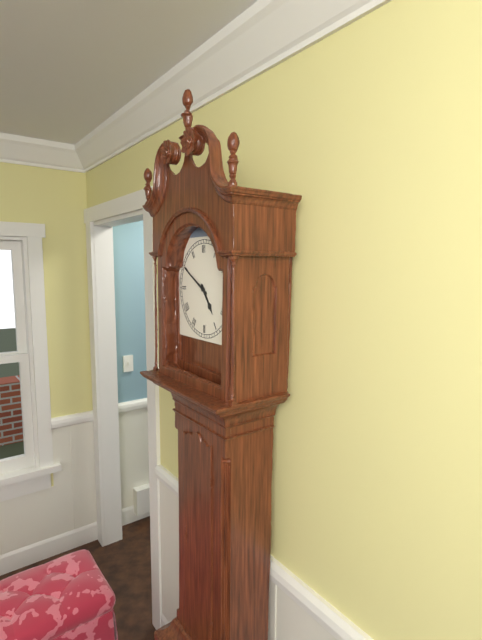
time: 4:50
